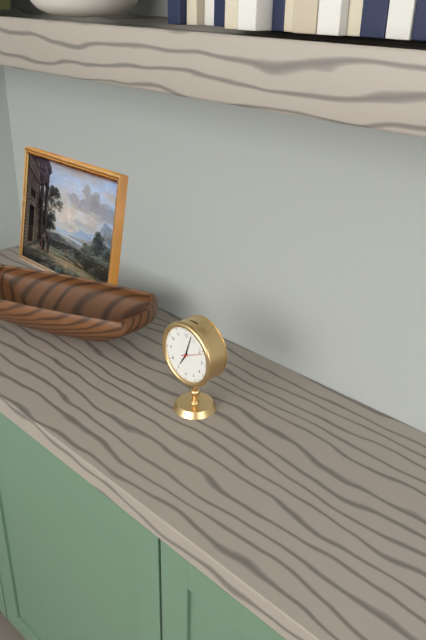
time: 7:03
